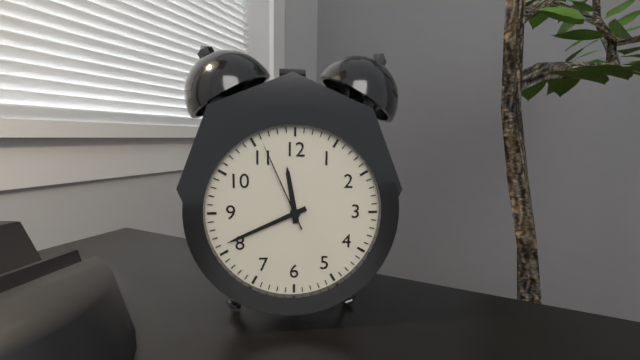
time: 11:41:56
